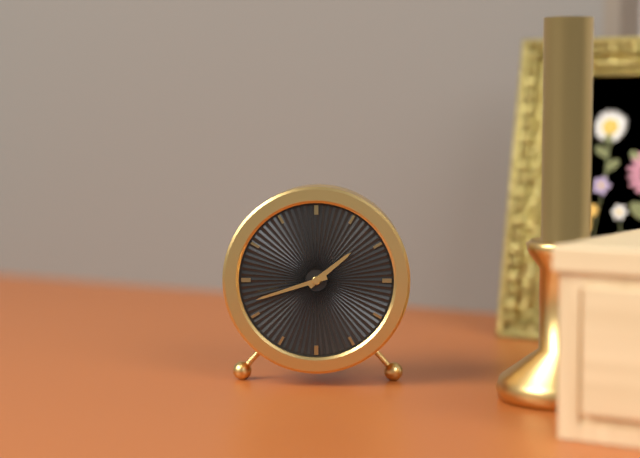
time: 1:42
